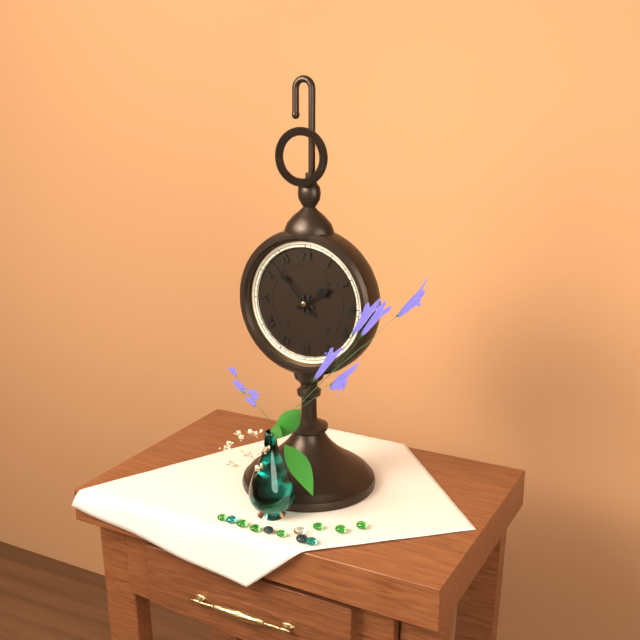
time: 1:53
